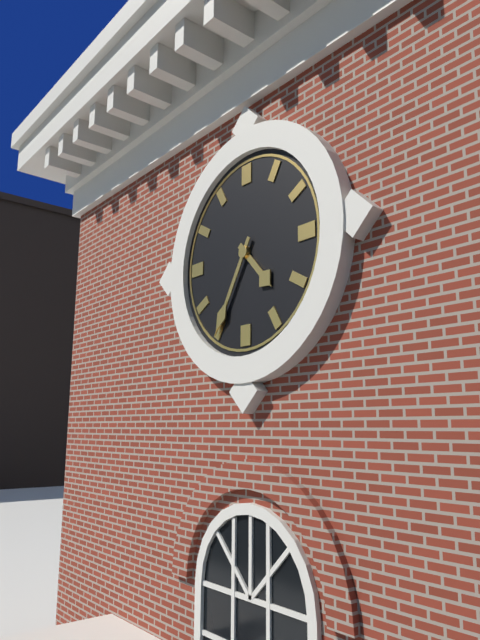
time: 4:35
